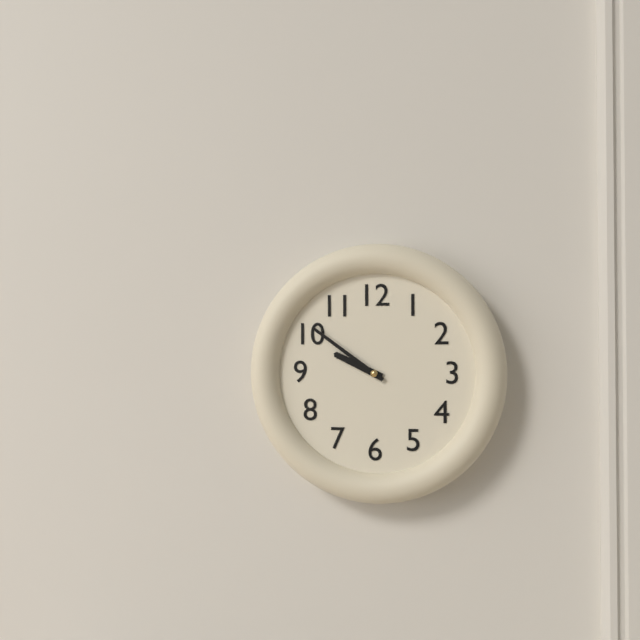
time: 9:51
